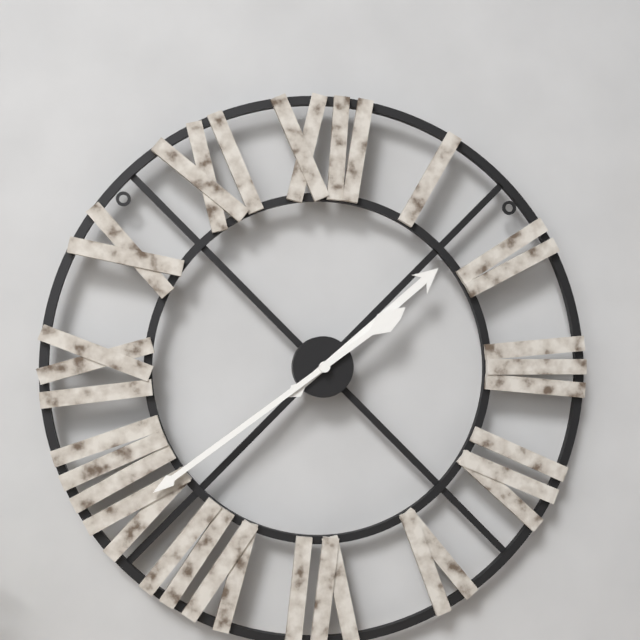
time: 1:39
